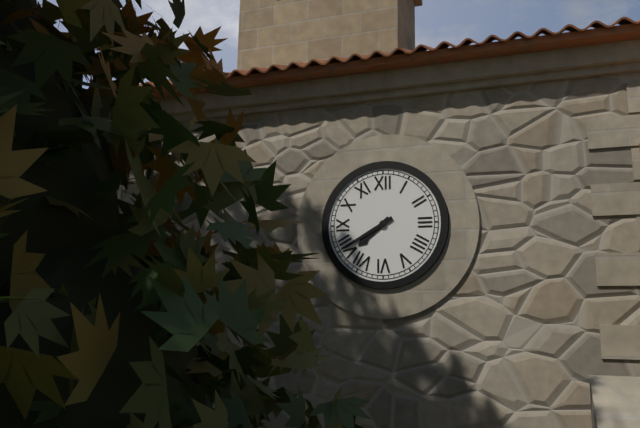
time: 7:40
